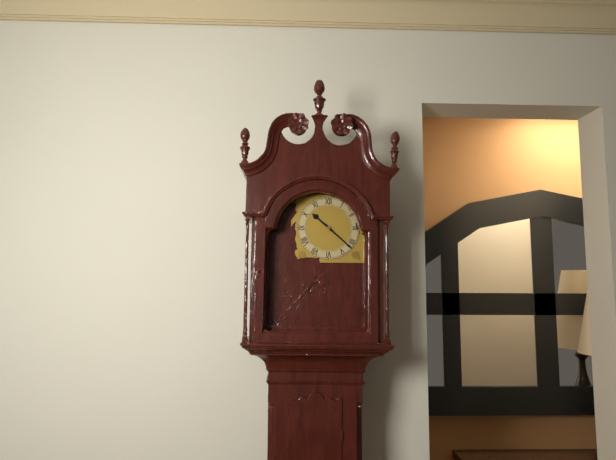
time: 10:22
